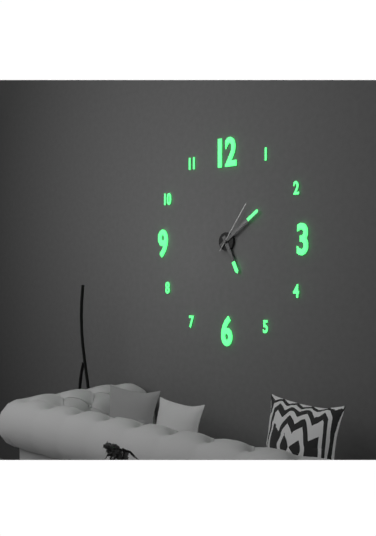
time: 5:09:06
